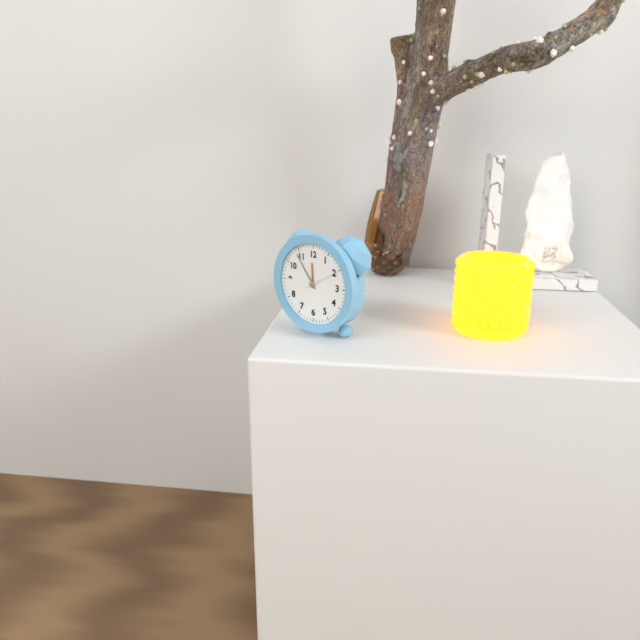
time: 11:54
